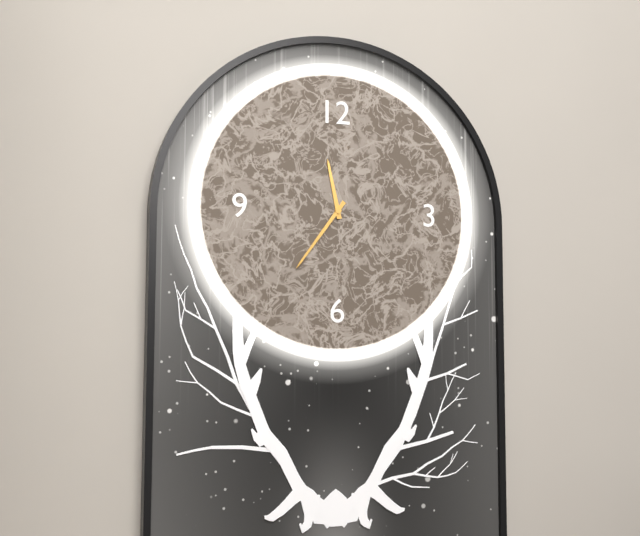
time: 11:36
